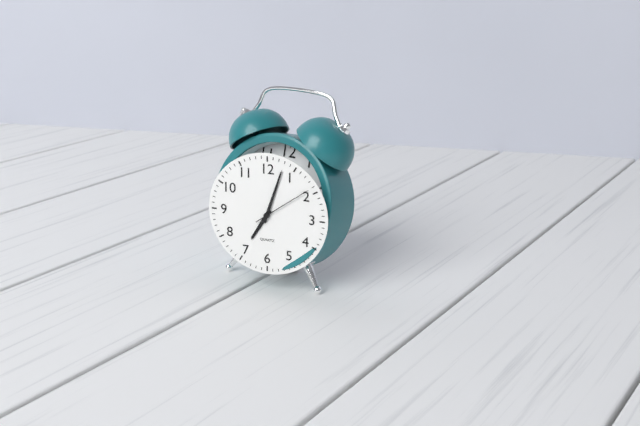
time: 7:03:09
